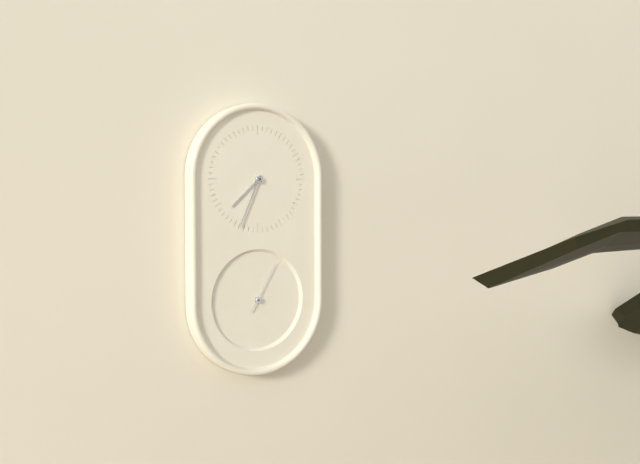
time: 7:34:05
